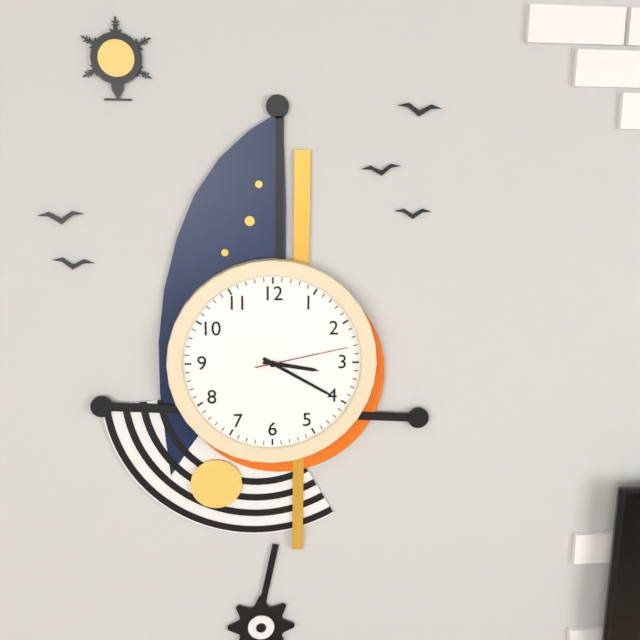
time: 3:20:13
